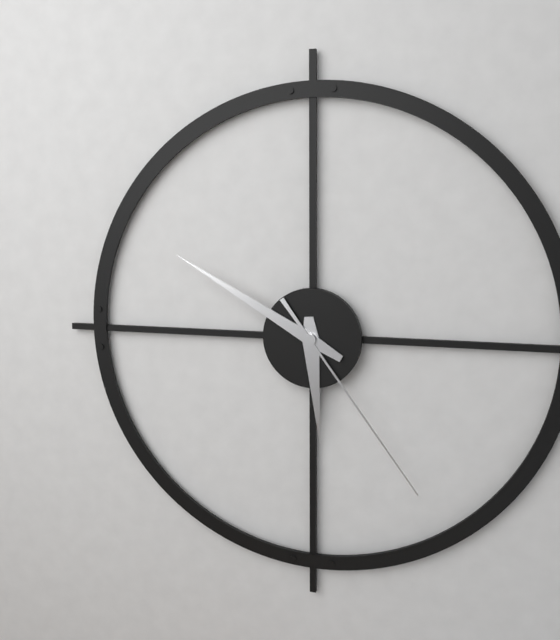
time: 5:50:24
